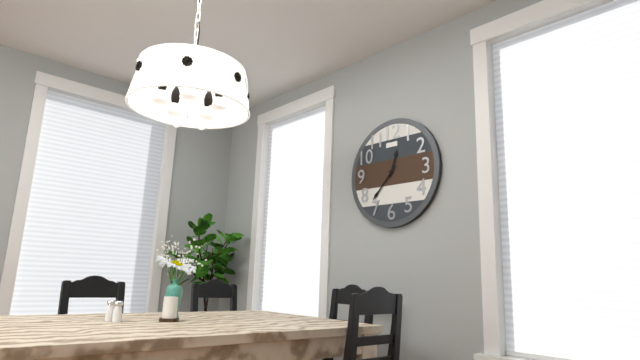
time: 12:37
